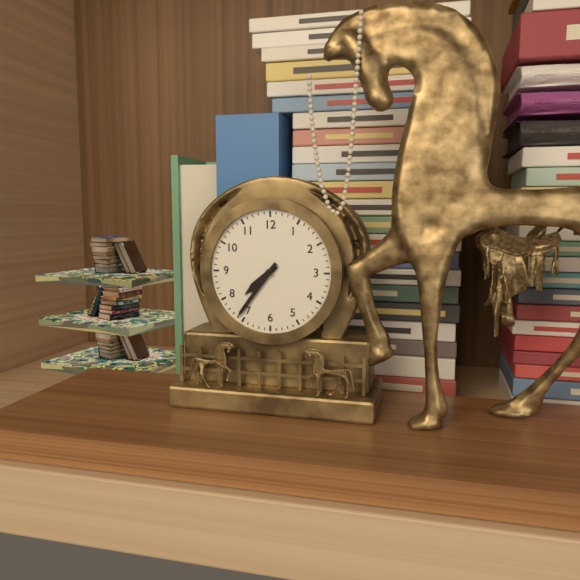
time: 7:36
